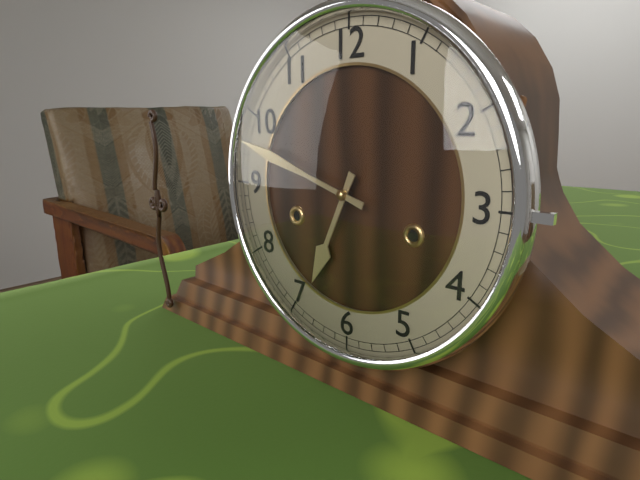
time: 6:48
